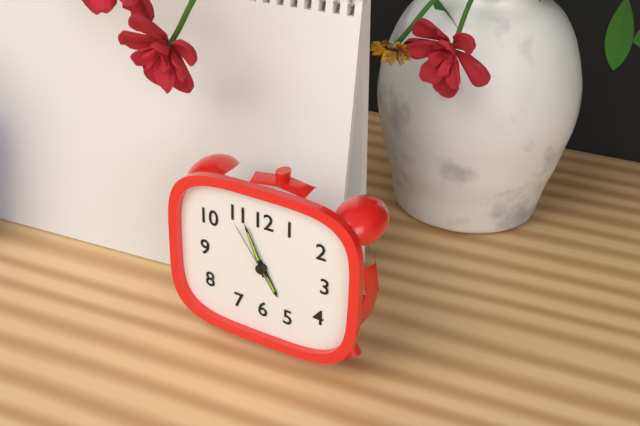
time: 4:56:54
